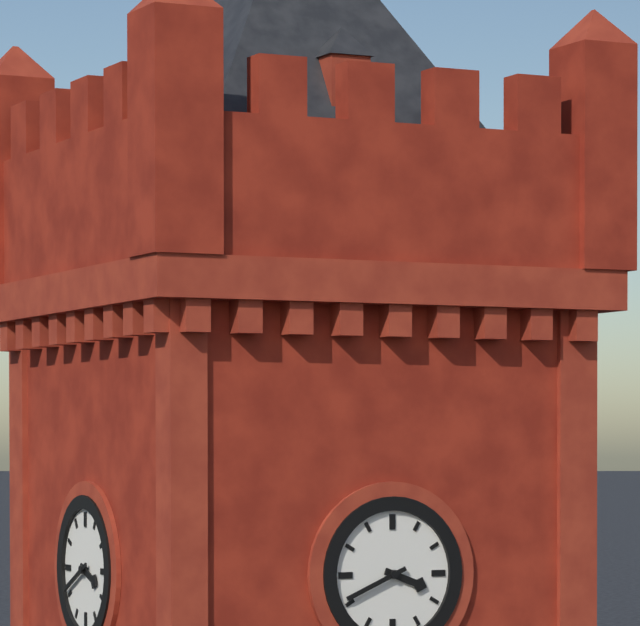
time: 3:41
